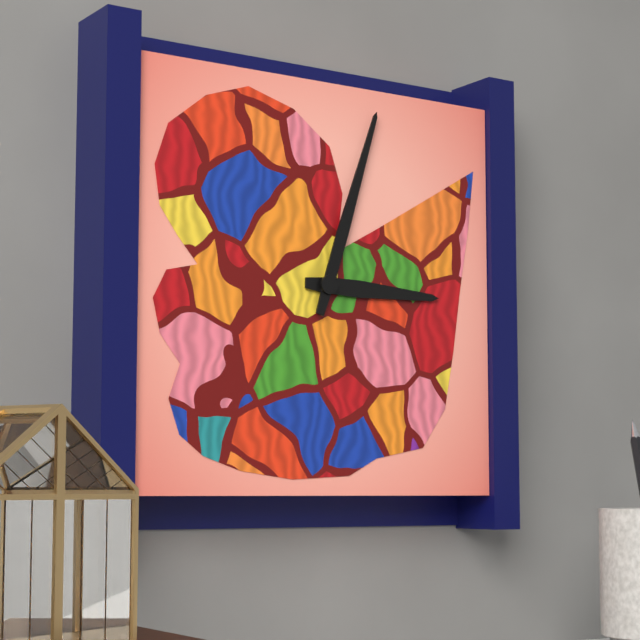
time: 3:03
